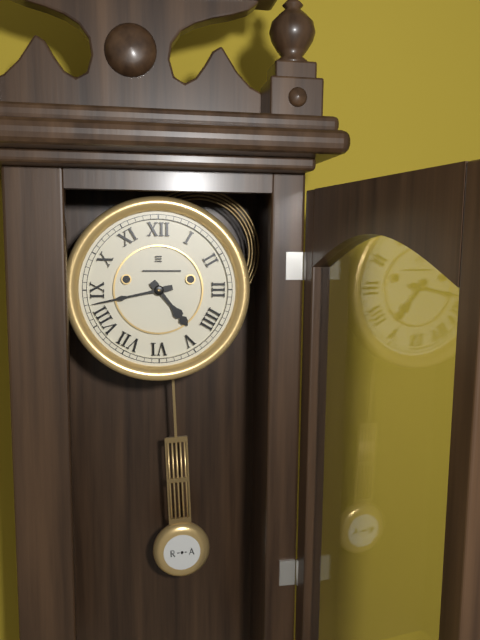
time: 4:43
